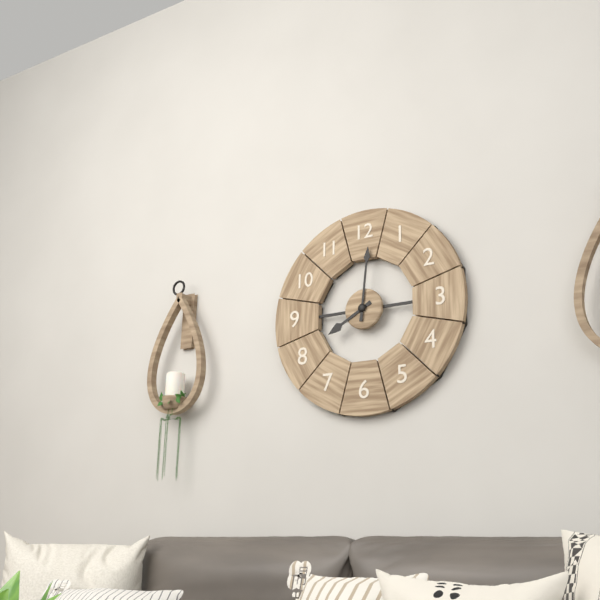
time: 8:01
